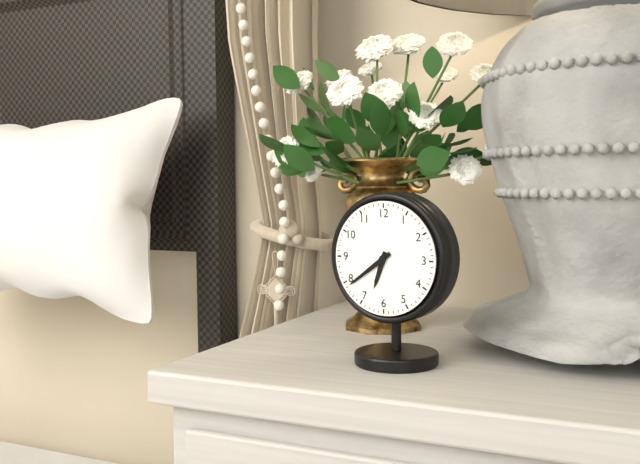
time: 6:39
